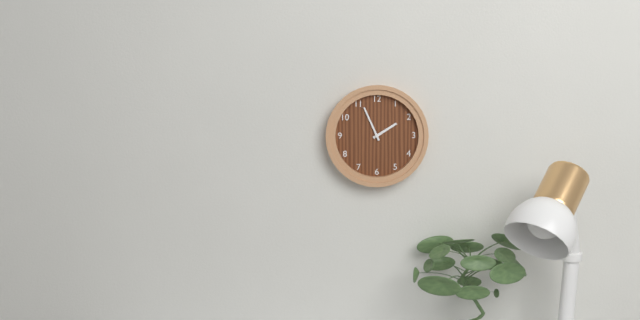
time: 1:56
